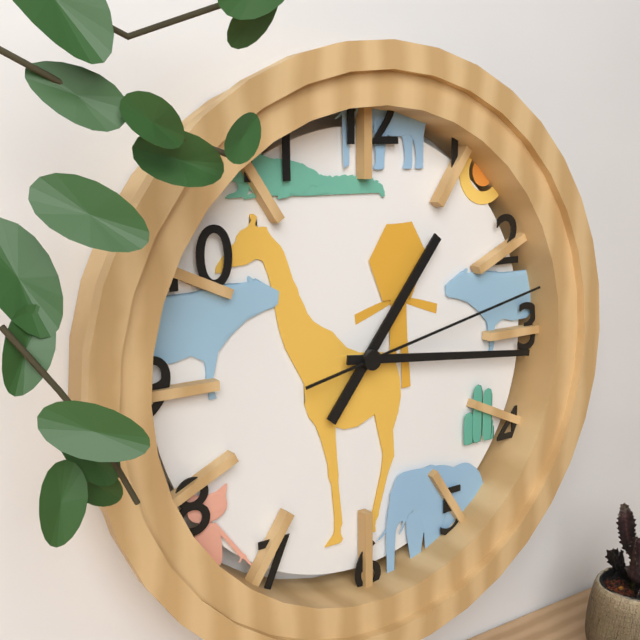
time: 1:16:13
